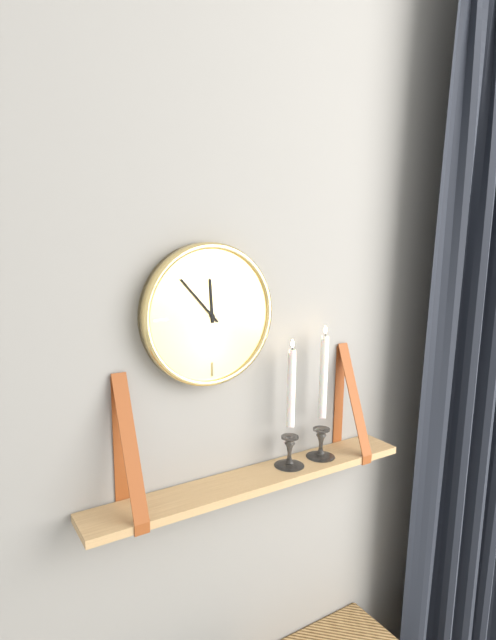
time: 11:53
